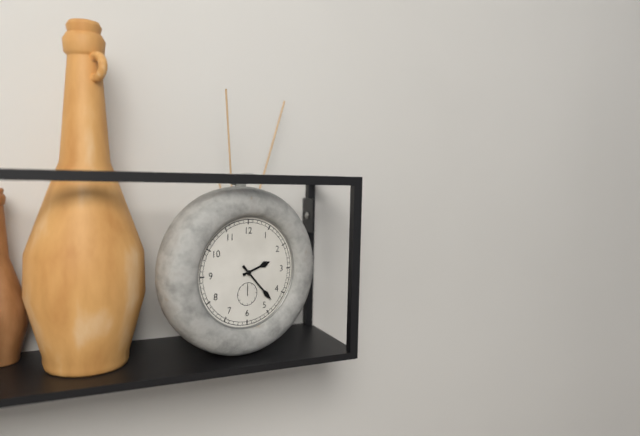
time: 2:23
